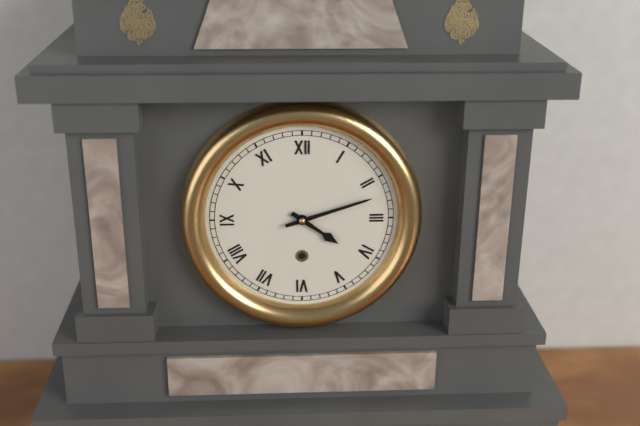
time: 4:12
